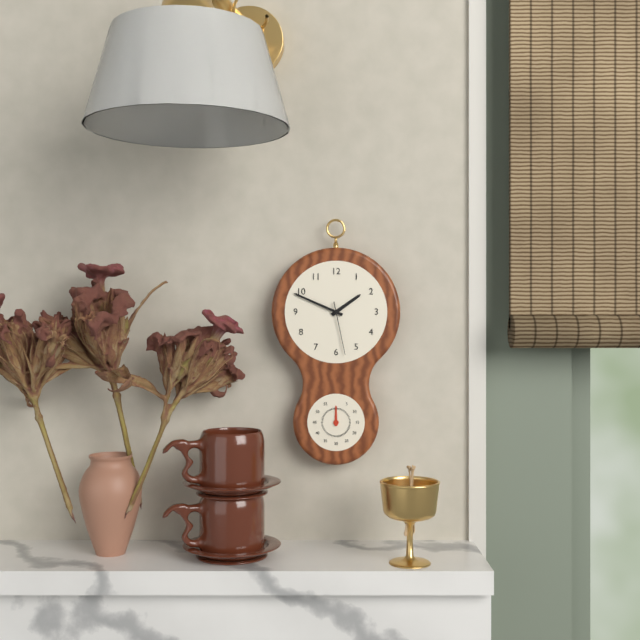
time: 1:49:28
